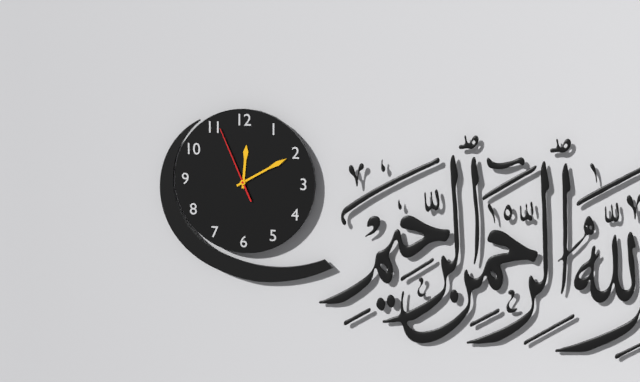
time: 12:10:56
